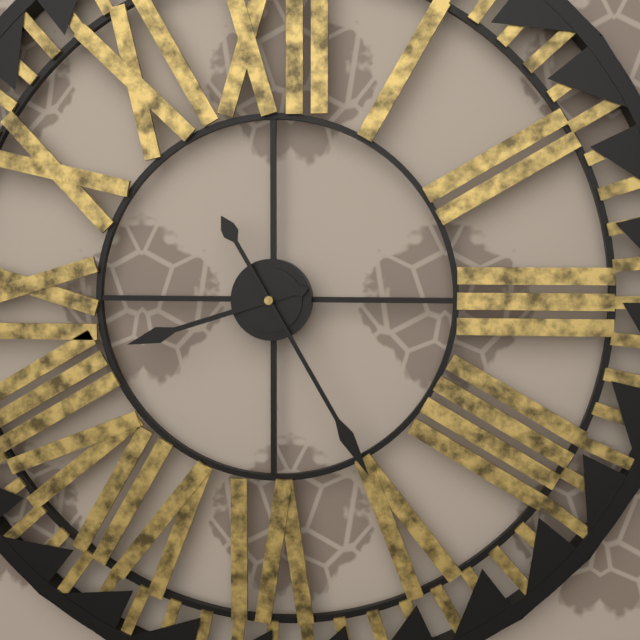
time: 8:25
